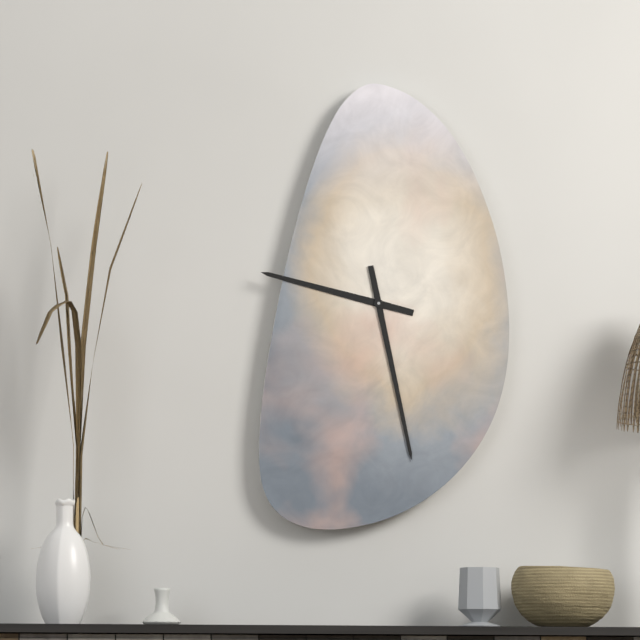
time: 9:28
